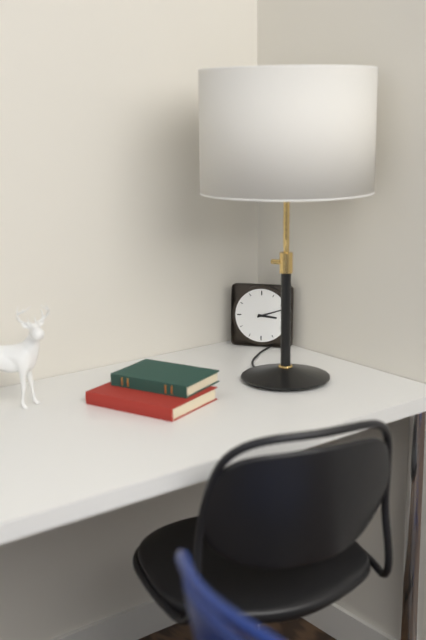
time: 3:12
